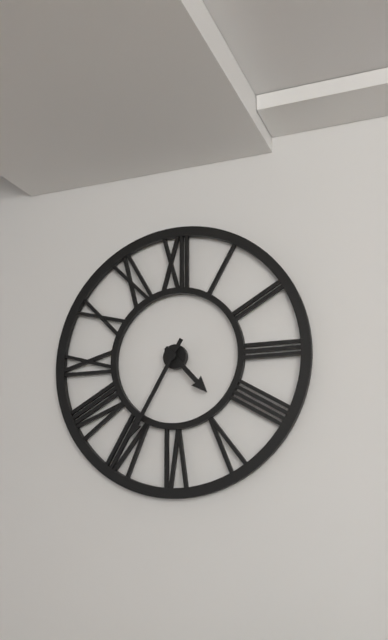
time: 4:35
